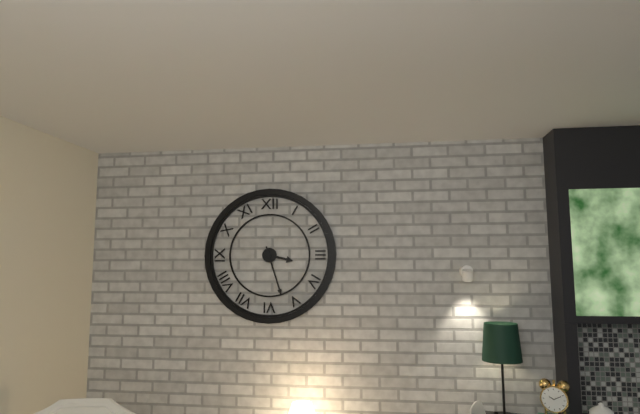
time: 3:27
